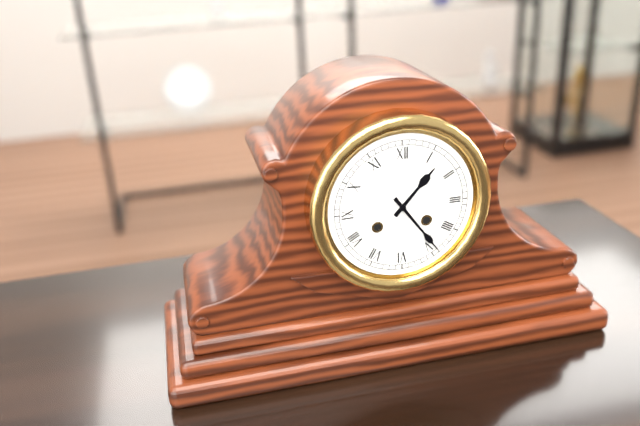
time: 1:24
